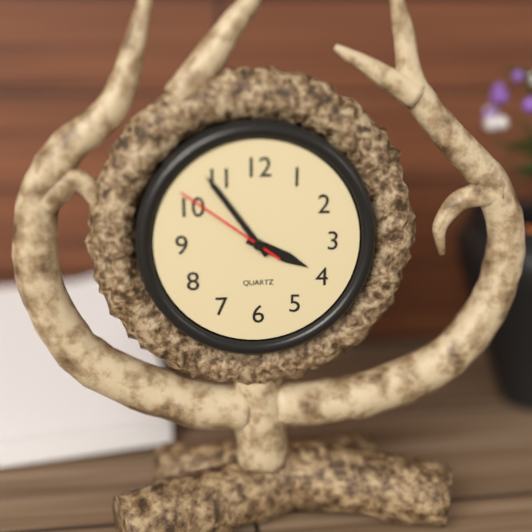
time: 3:54:51
